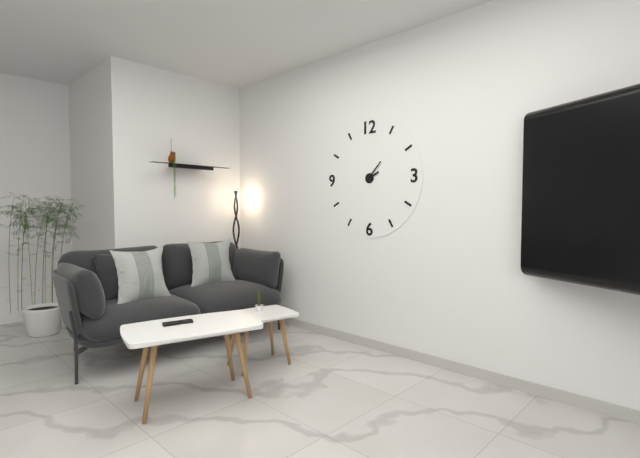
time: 2:07
